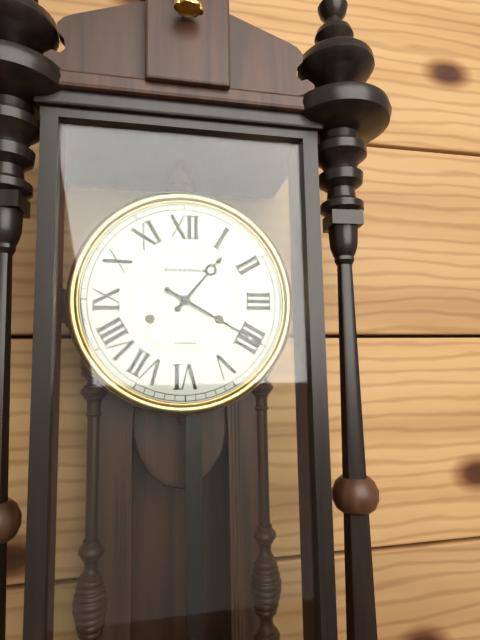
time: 1:20
